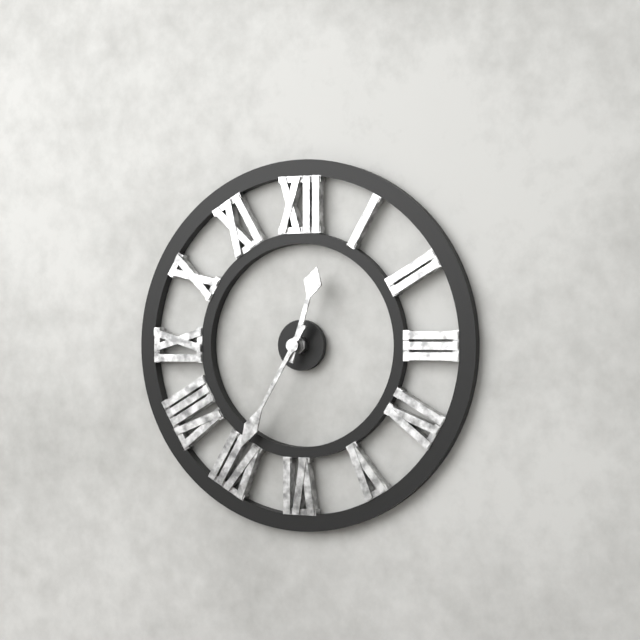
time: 12:35
